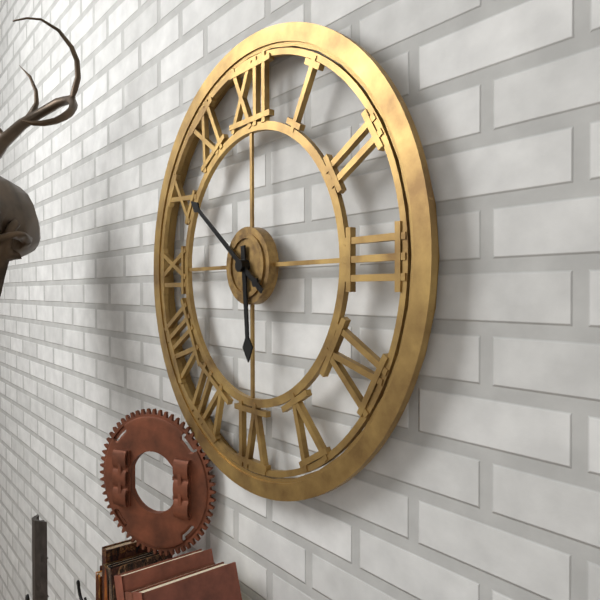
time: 5:51
